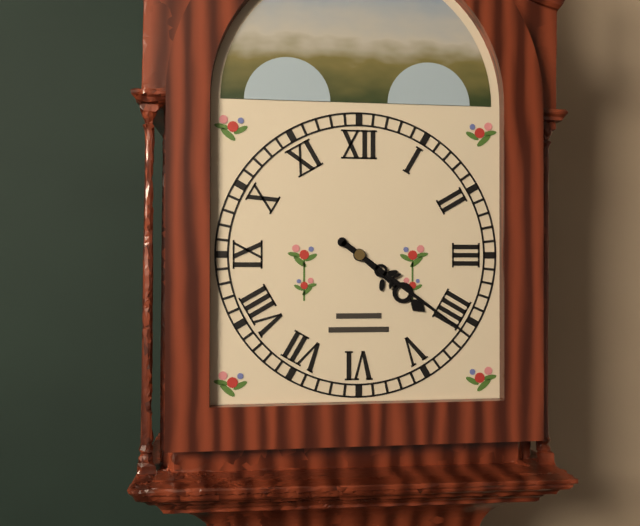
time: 4:21
